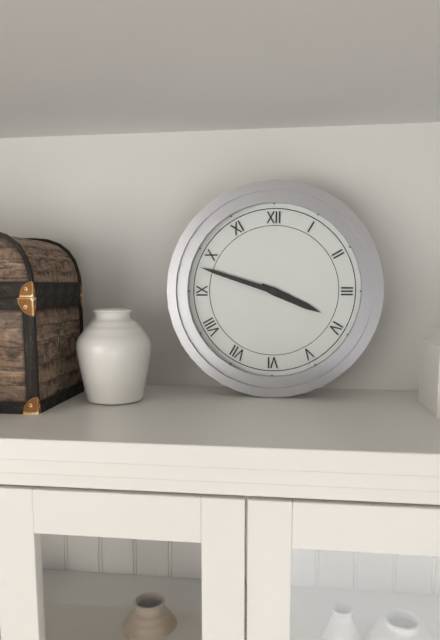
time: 3:48
